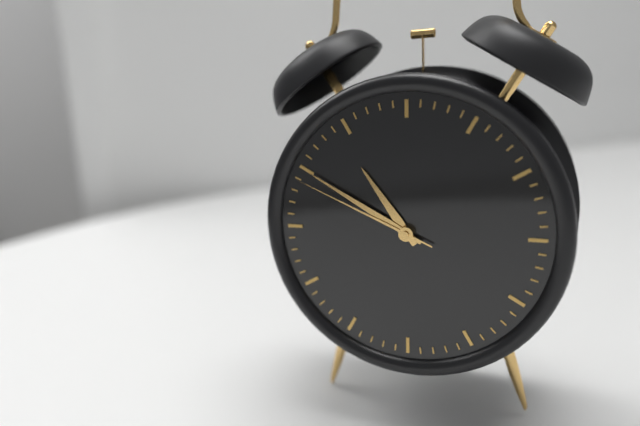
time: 10:50:49
